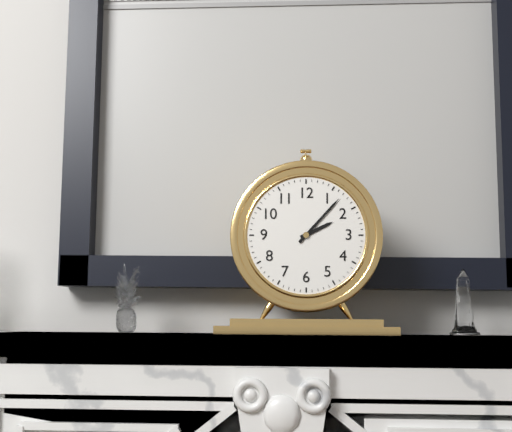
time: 2:07
